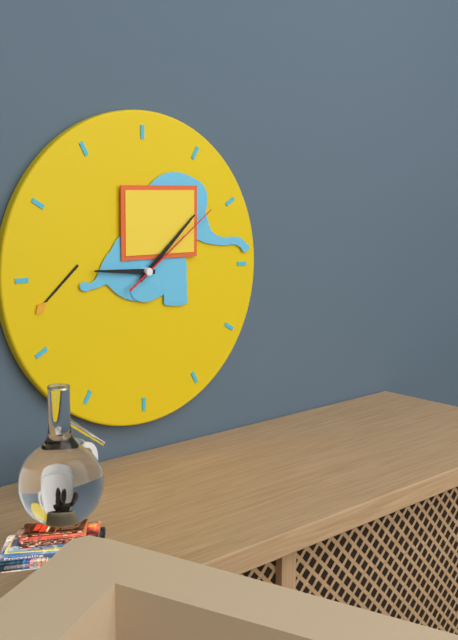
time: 9:08:09
